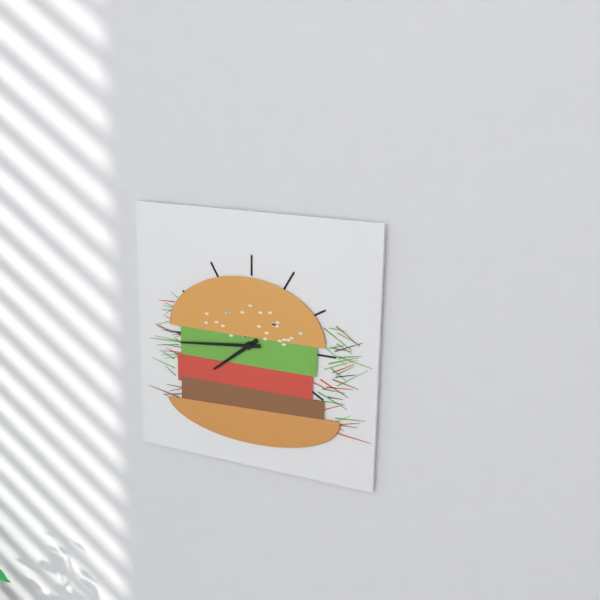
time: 7:44
